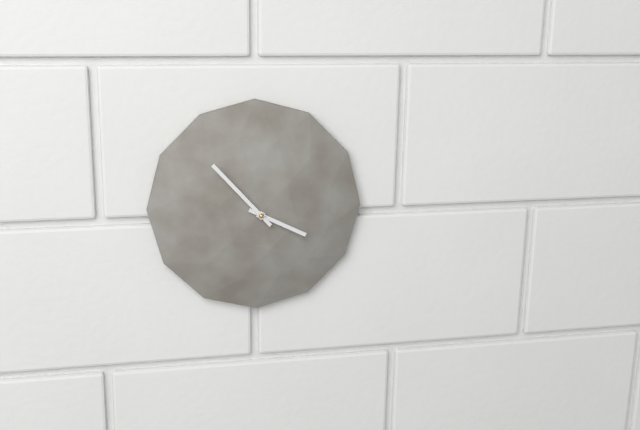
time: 3:53
